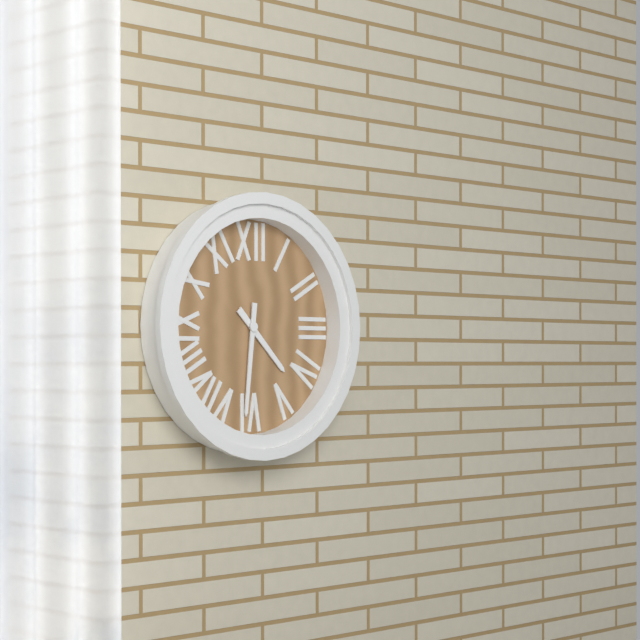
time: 4:31
